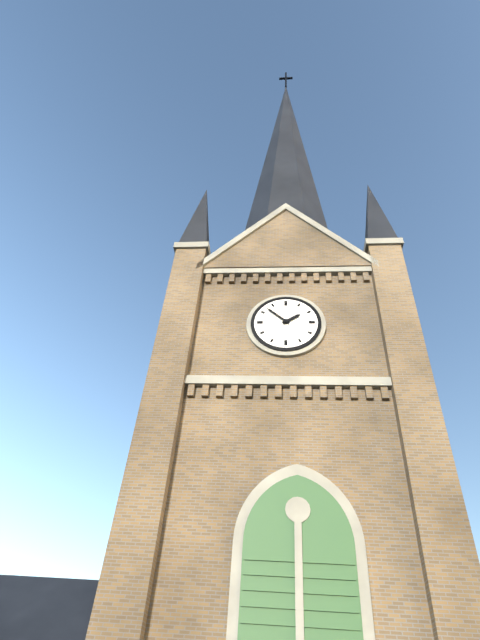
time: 1:52
